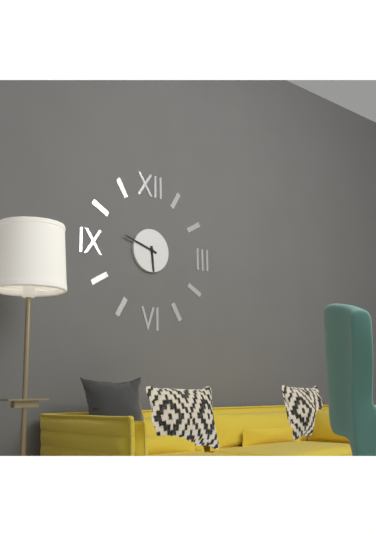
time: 5:48
